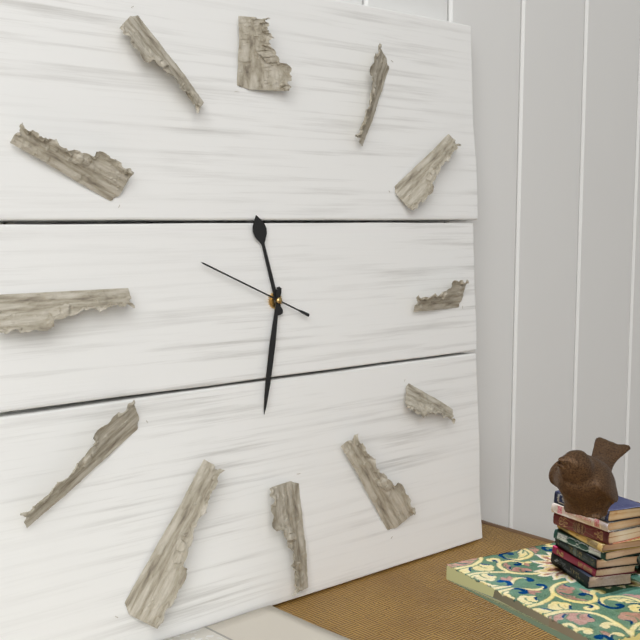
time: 11:32:49
